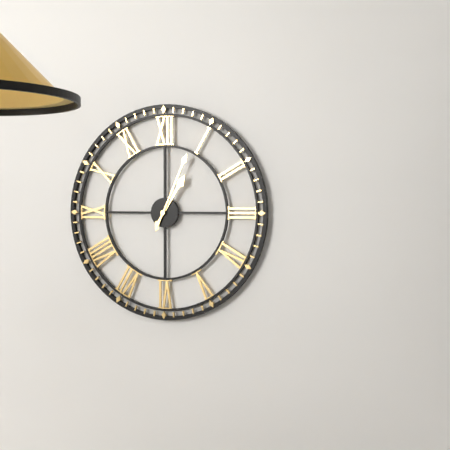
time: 1:04
